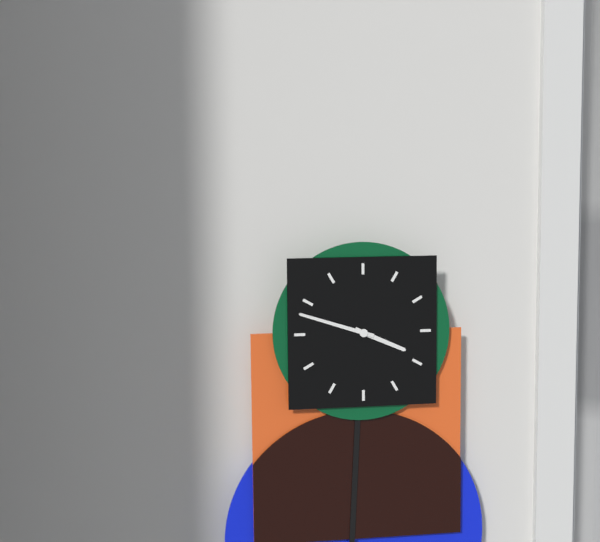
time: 3:48
